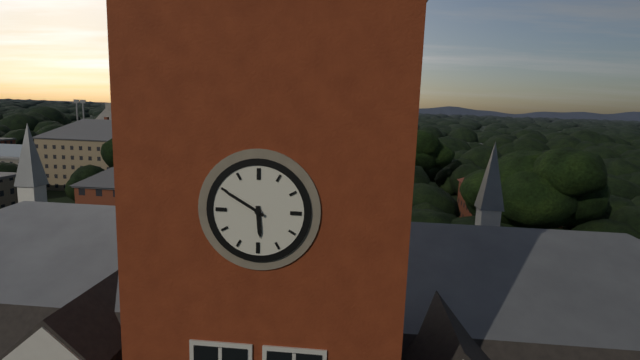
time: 5:50
